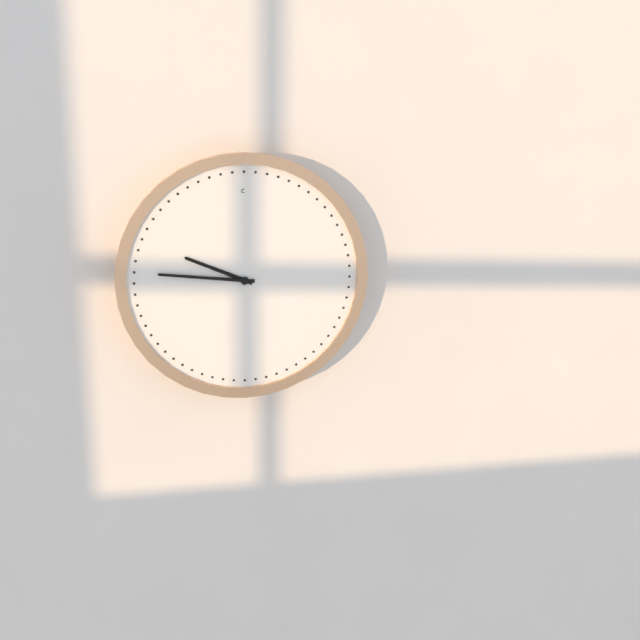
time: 9:46
